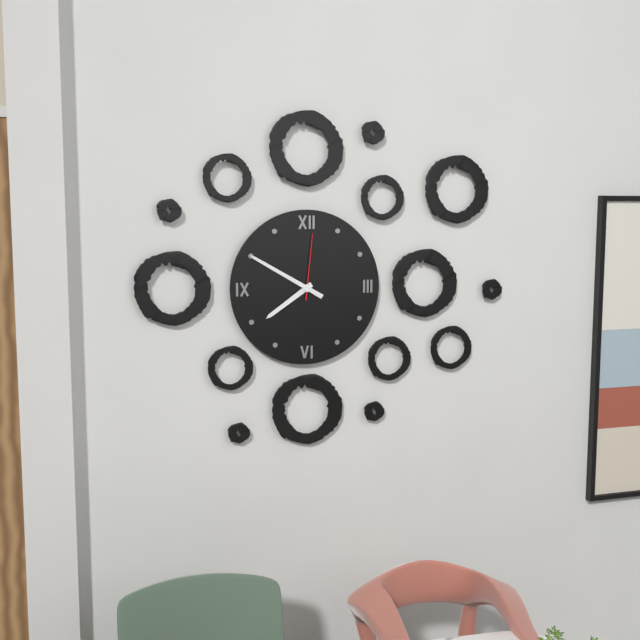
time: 7:50:01
